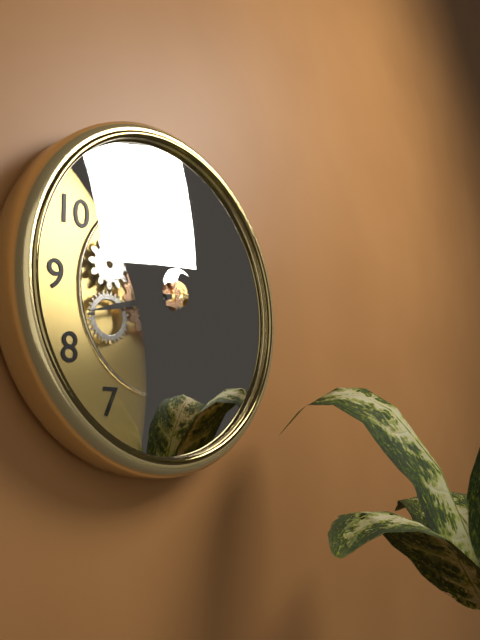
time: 8:27
